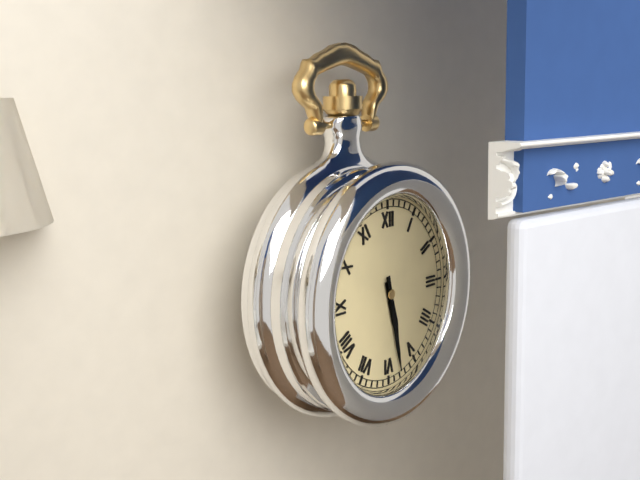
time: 5:28
